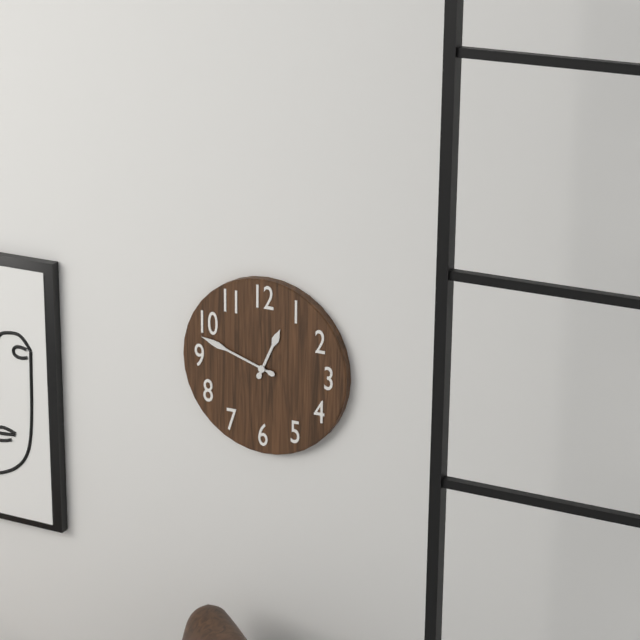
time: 12:48
